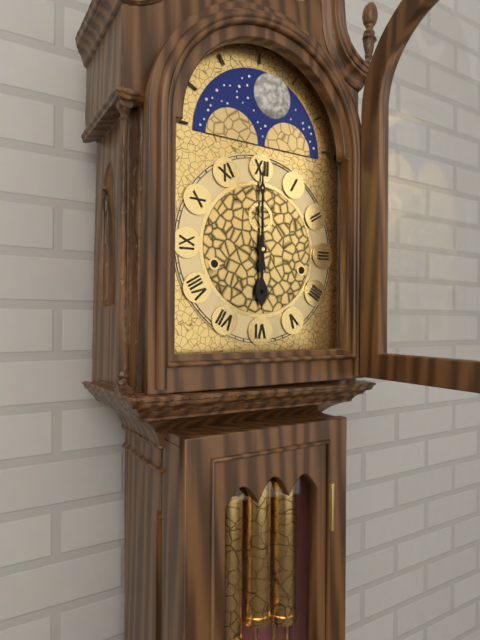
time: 6:00
